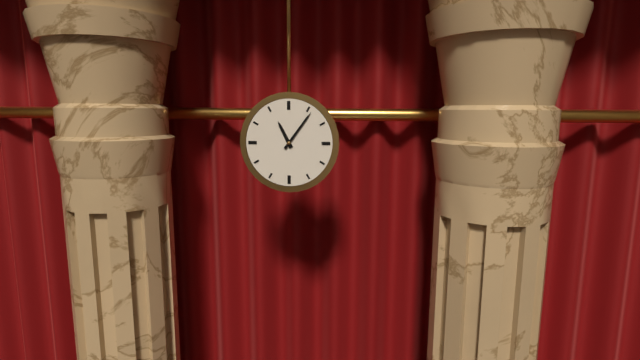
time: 11:06
